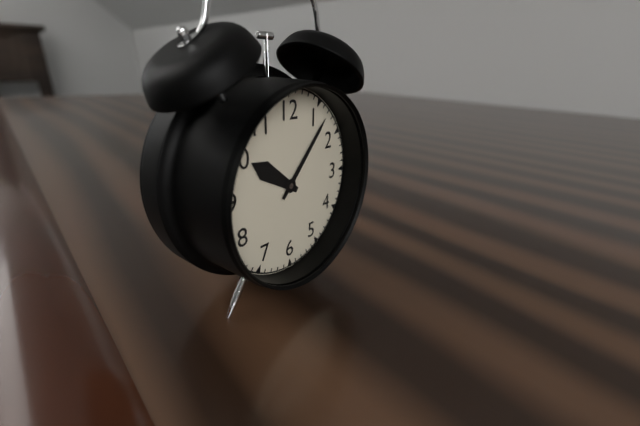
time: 10:07
